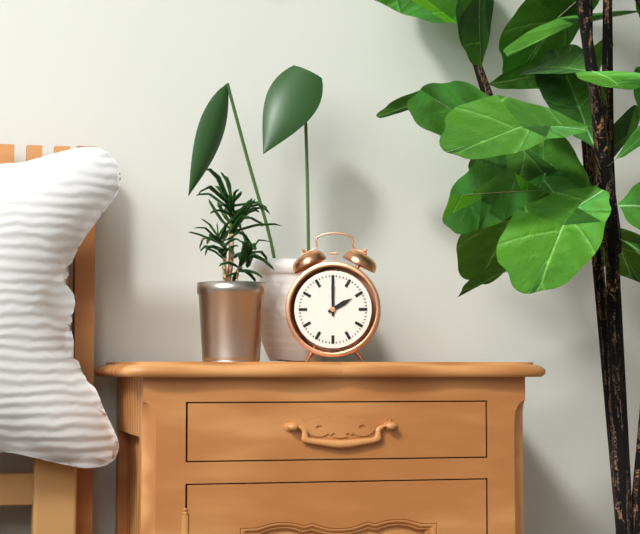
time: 2:00
